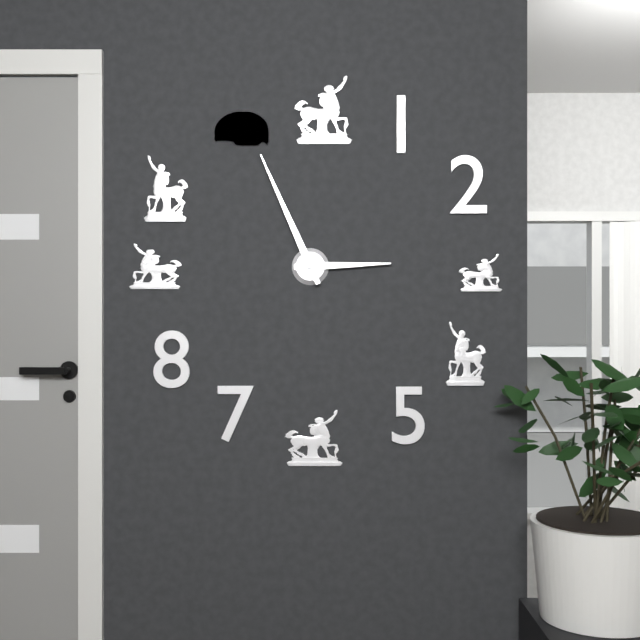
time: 2:56
